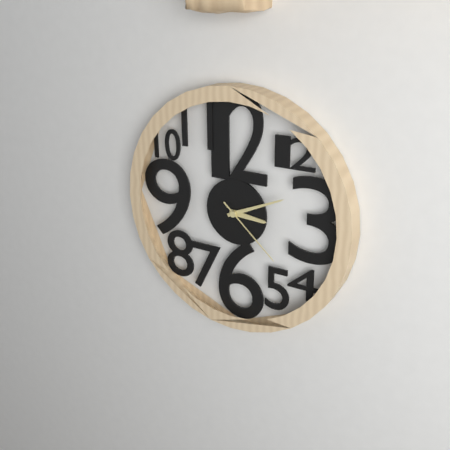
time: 3:11:22
